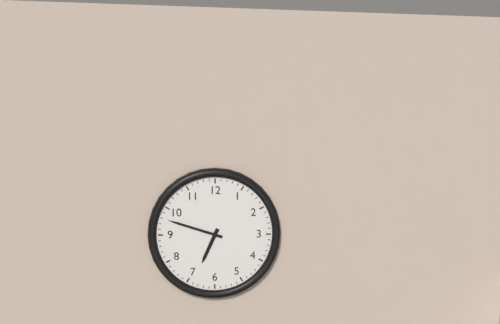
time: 6:48
